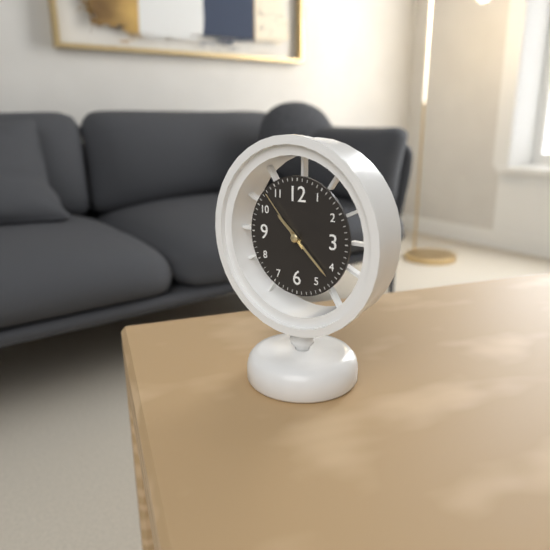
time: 10:22:53
